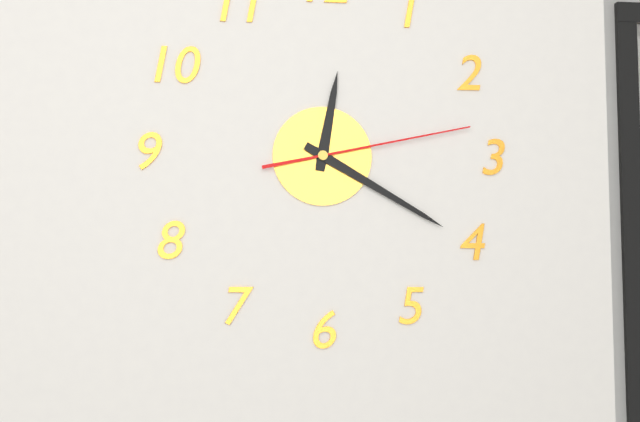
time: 12:20:13
